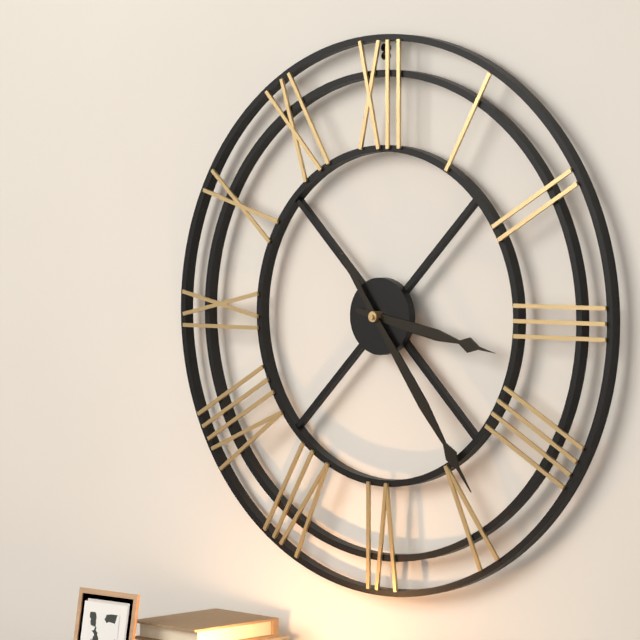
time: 3:24
